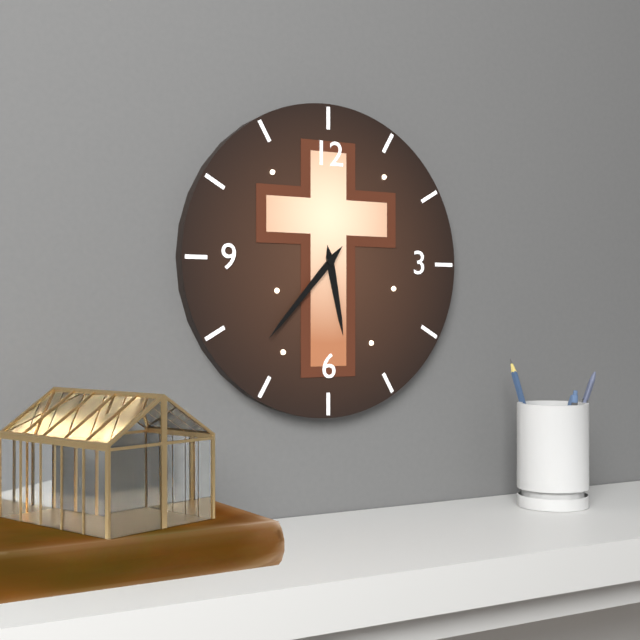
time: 5:37
